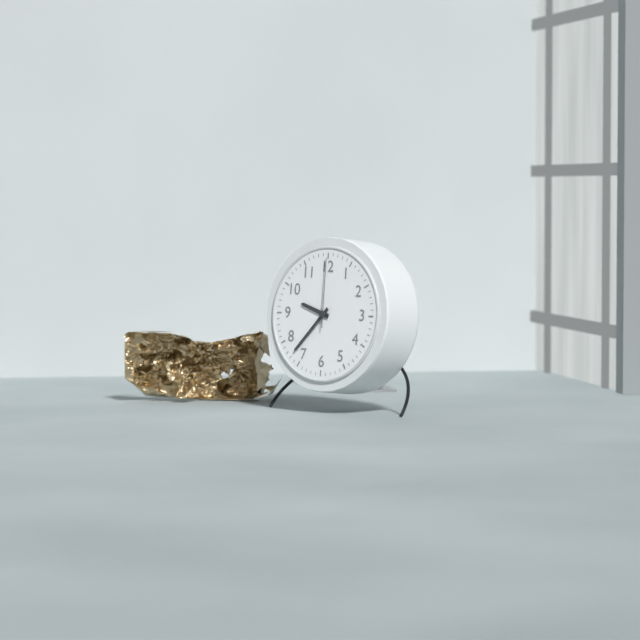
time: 9:37:00
